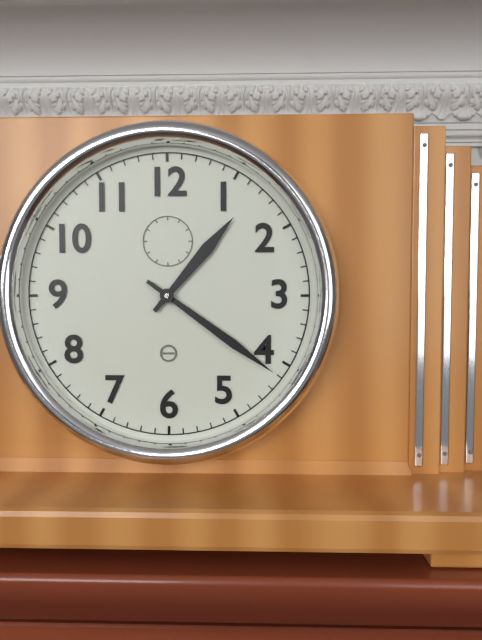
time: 1:21
